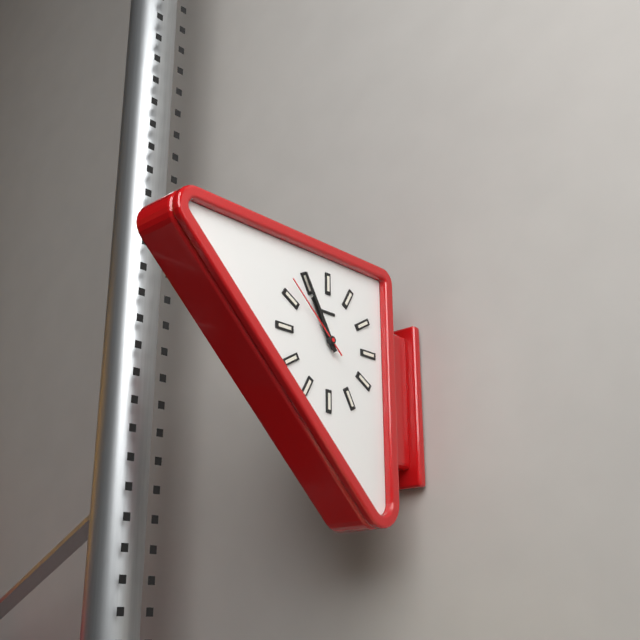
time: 10:55:52
